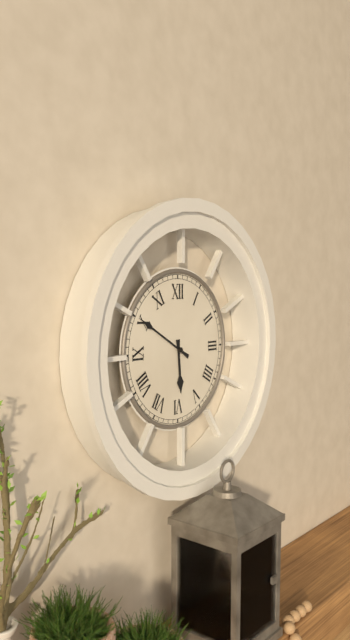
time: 5:50
